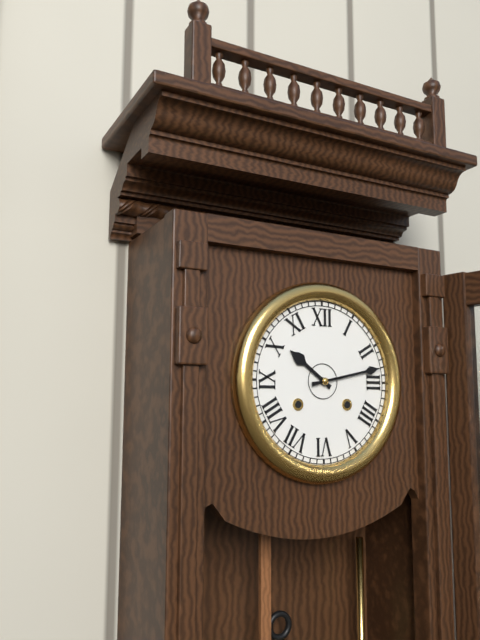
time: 10:13
